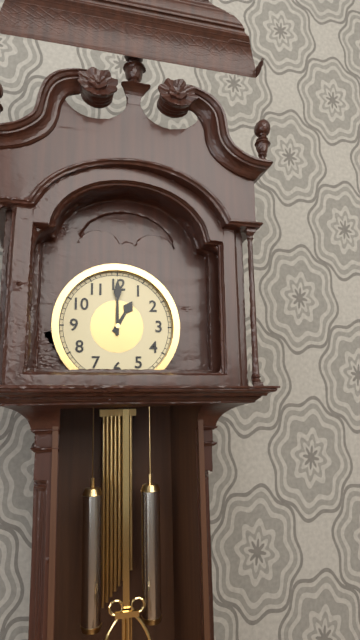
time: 1:00
